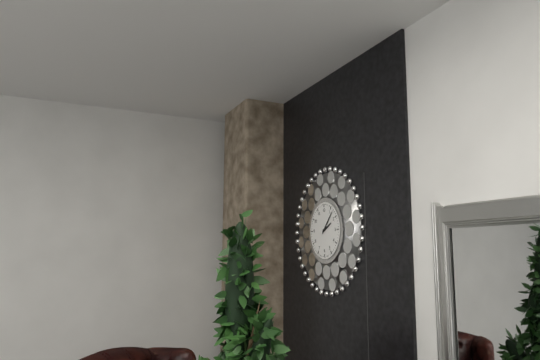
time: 2:07
